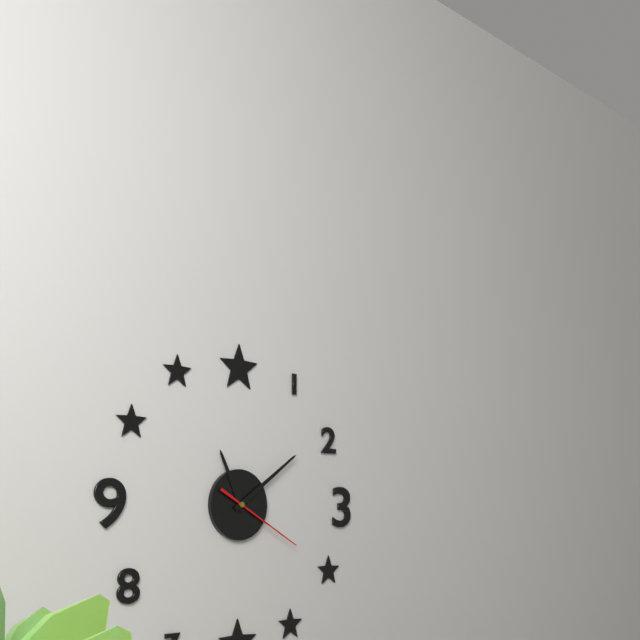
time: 11:09:20
